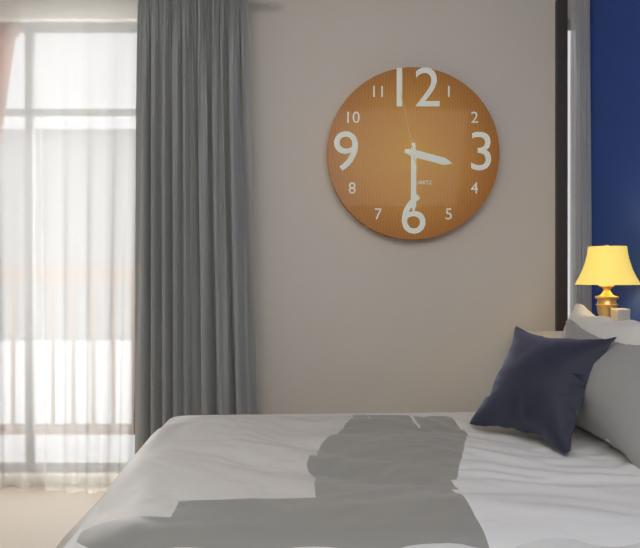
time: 3:30:58
